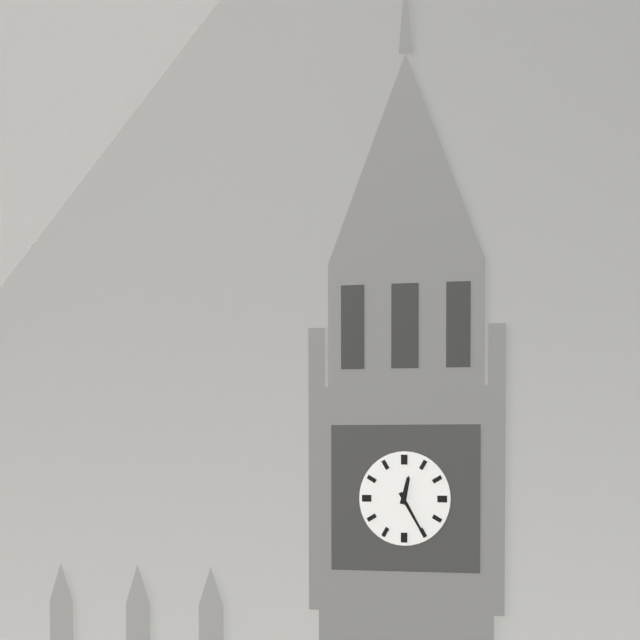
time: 12:25
